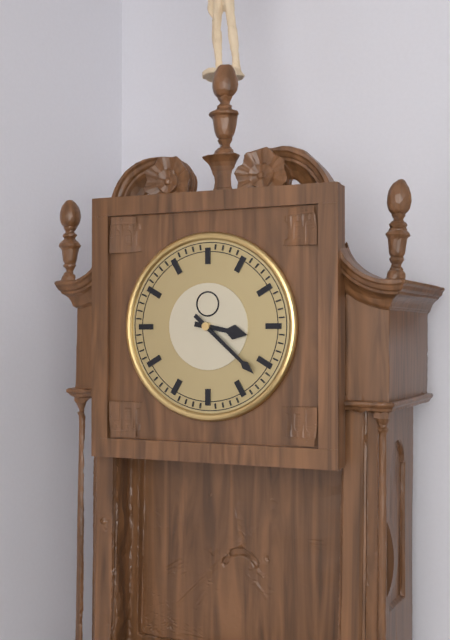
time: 3:22
